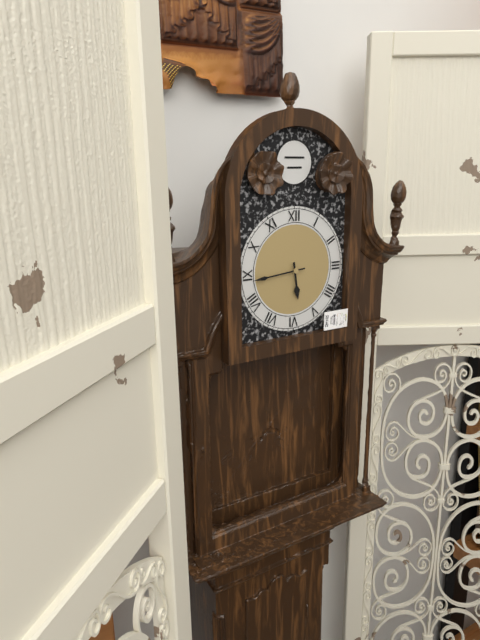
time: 5:44
